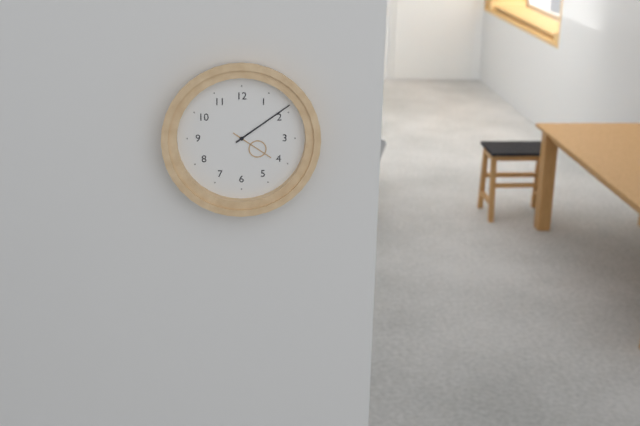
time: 4:09
